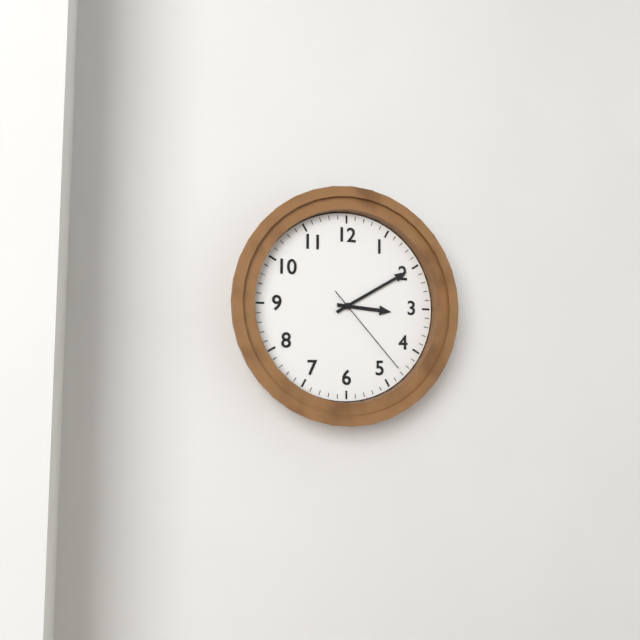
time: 3:10:23
